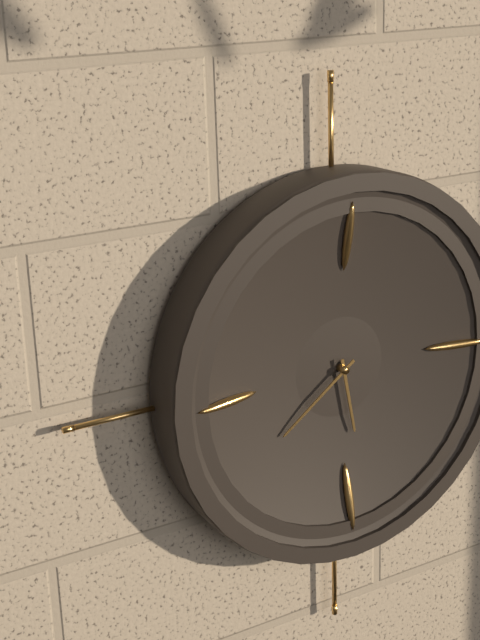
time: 5:39
